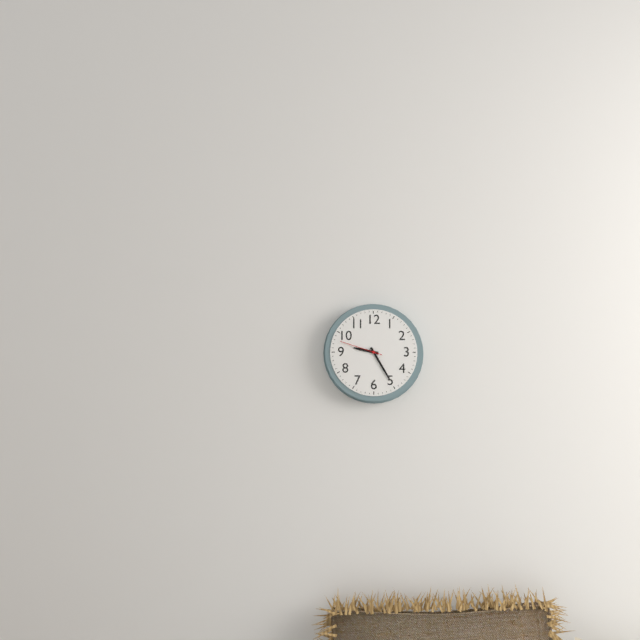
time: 9:25
